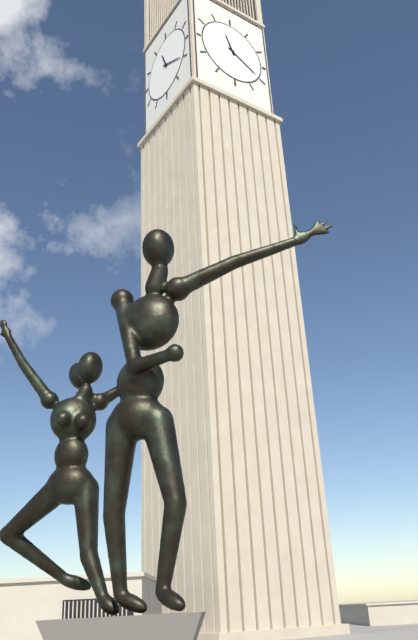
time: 11:20
